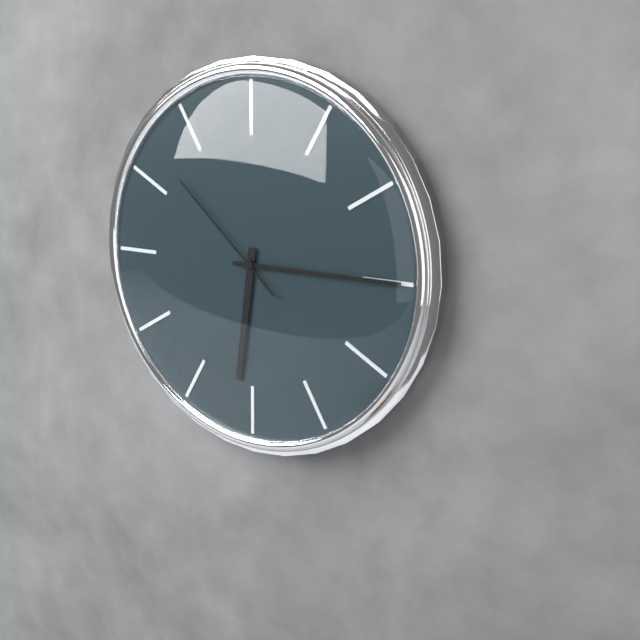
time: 6:15:52
